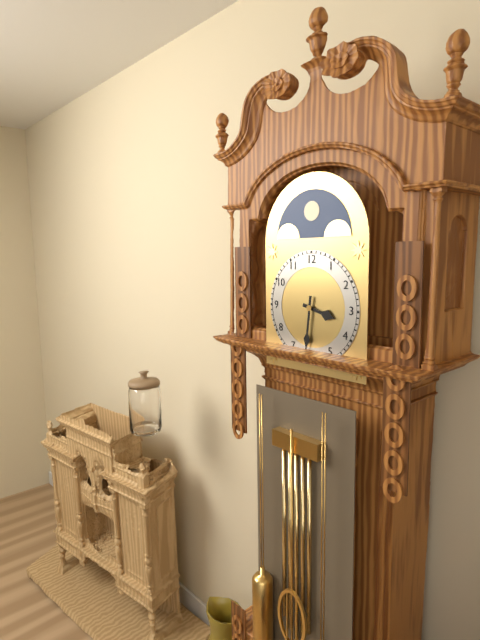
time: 3:31
